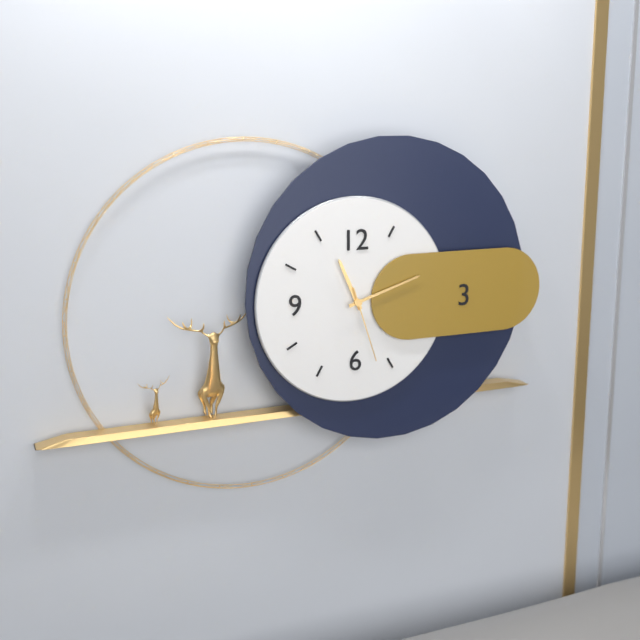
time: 11:12:27
